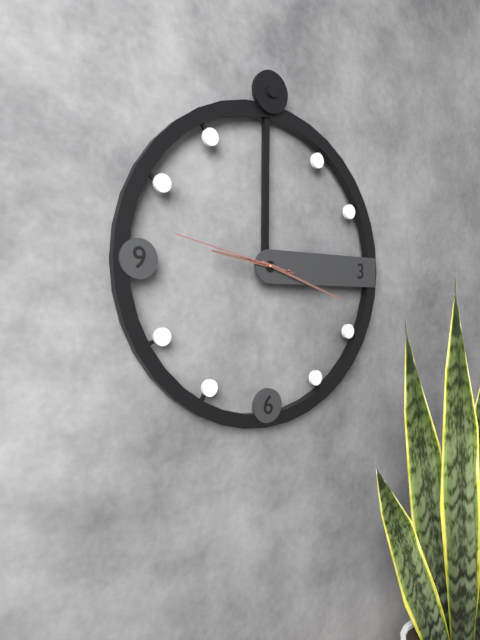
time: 9:18:47
